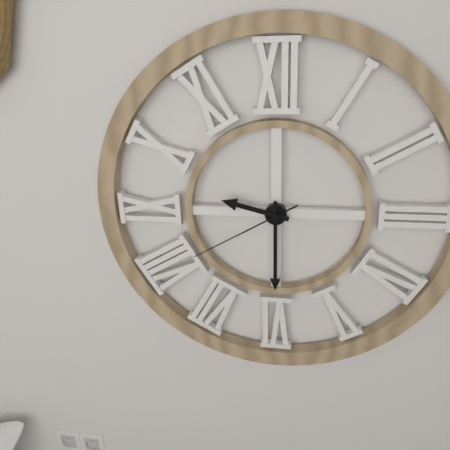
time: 9:30:40
